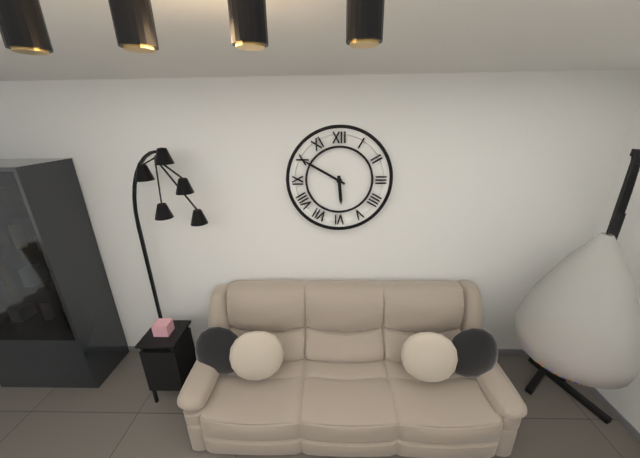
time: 5:50
